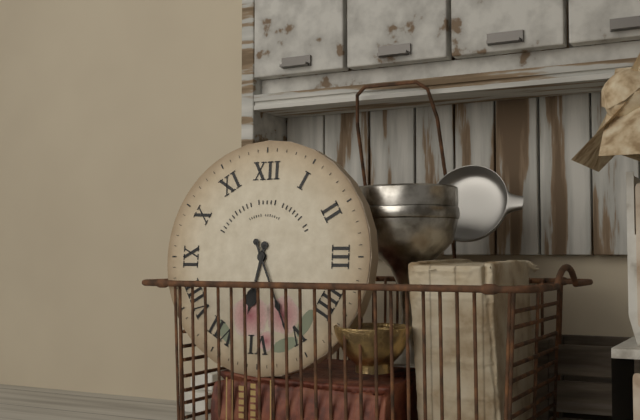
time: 6:26
